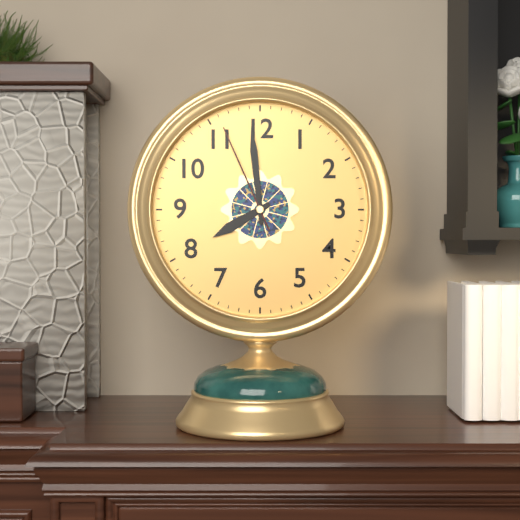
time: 7:59:56
